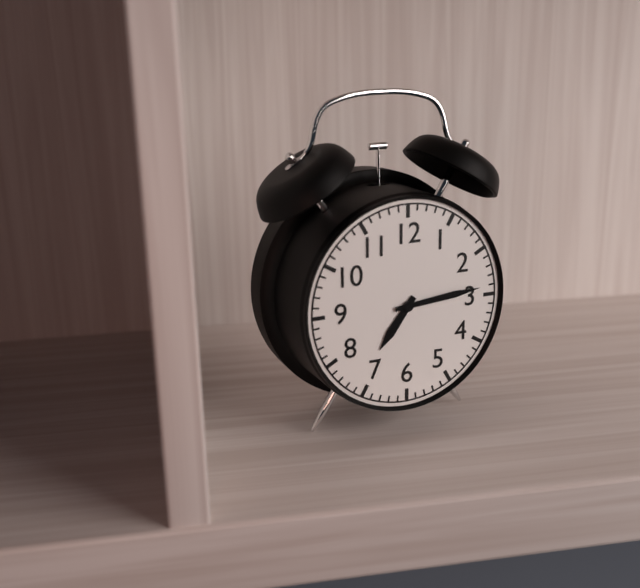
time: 7:14
